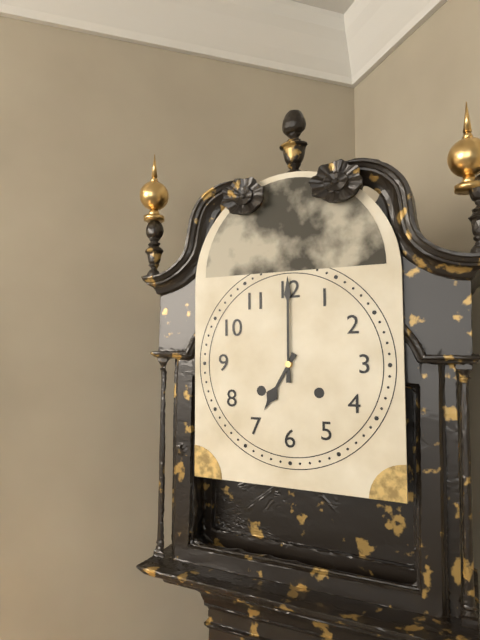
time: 7:00
